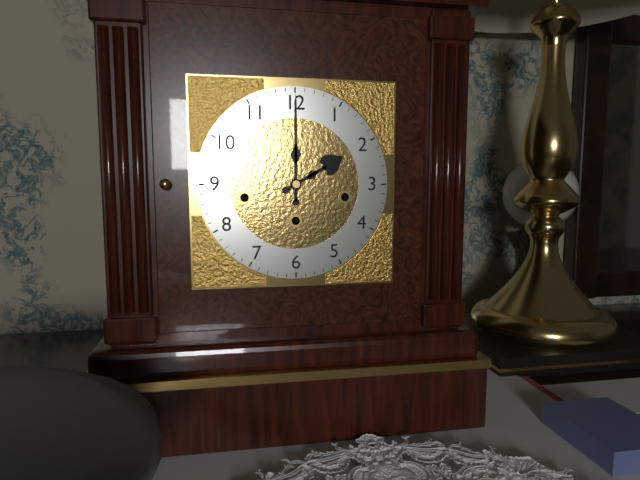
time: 2:00
